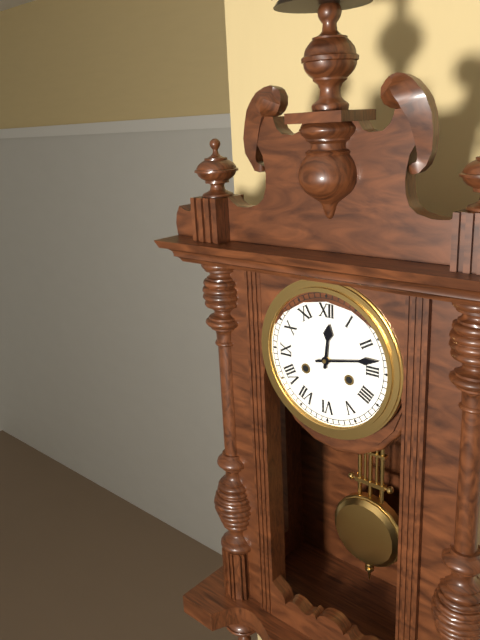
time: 12:13
